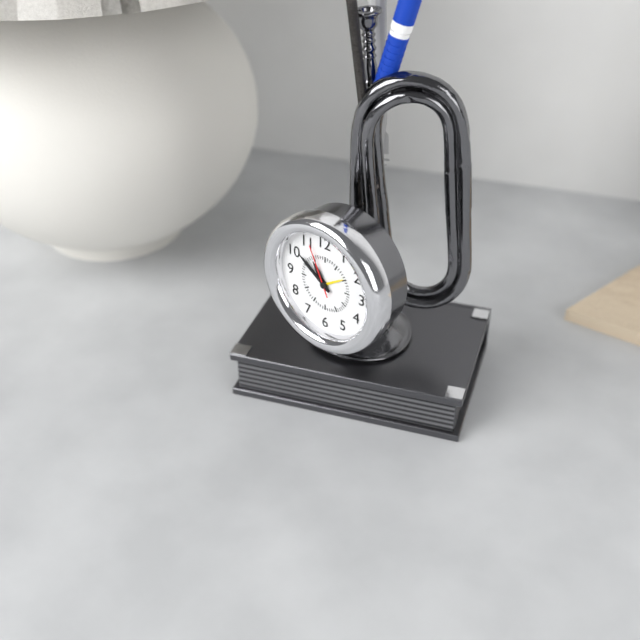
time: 10:51:56
